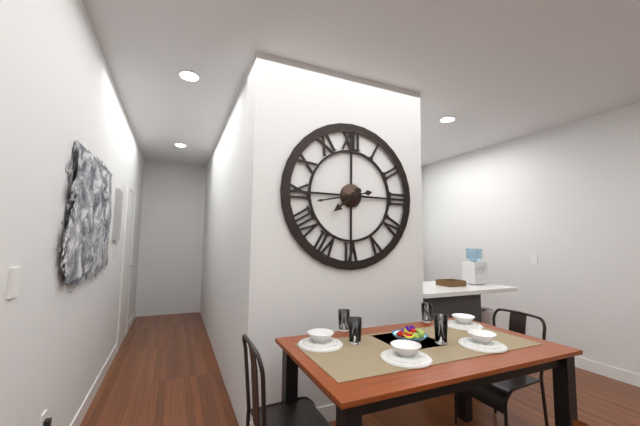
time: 7:43
